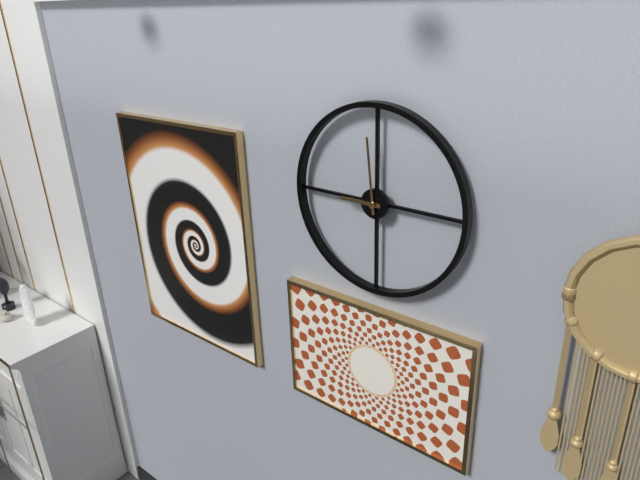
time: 8:59
